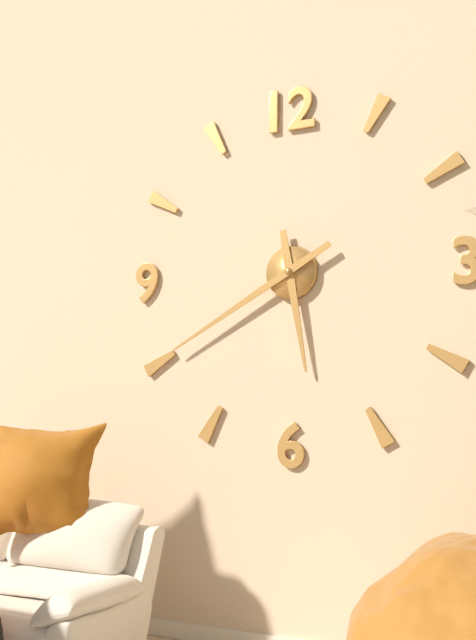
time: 5:40
